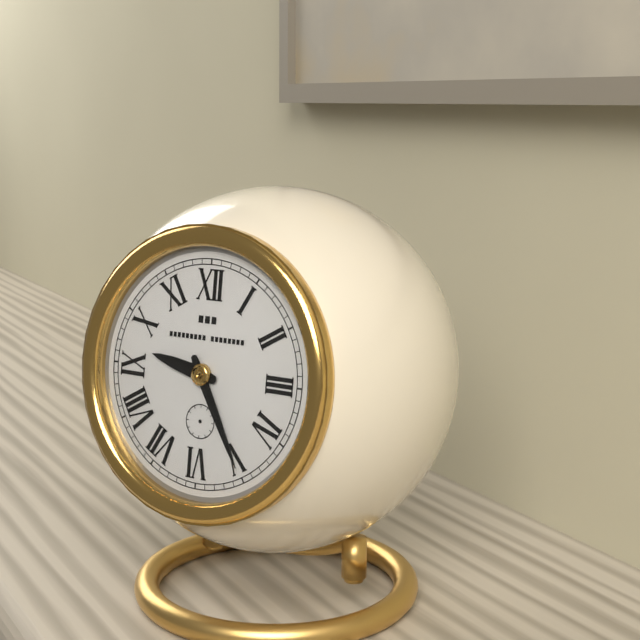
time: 9:25
